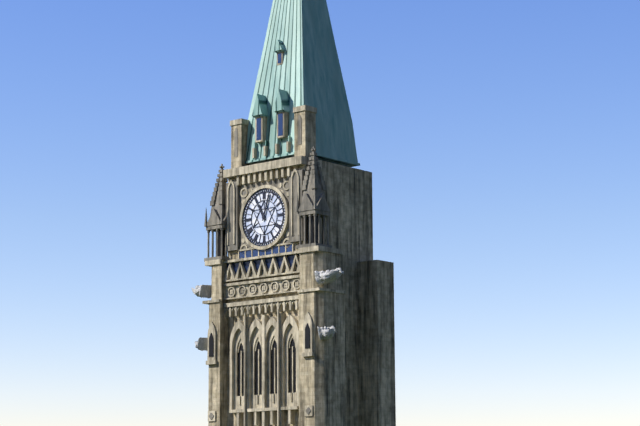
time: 11:03
